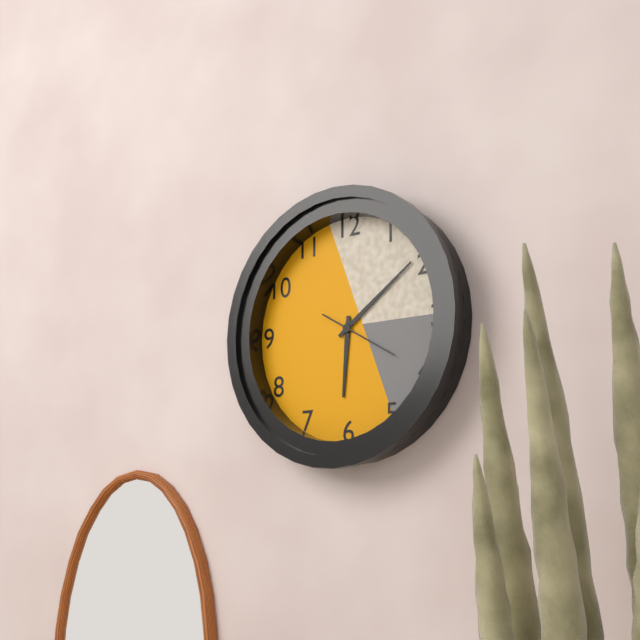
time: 6:09:20
